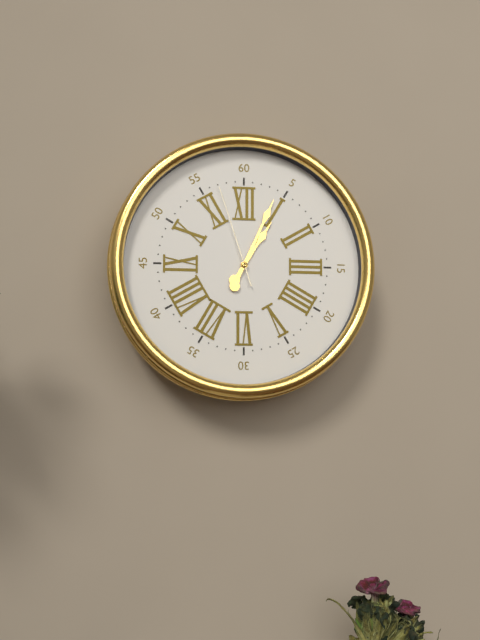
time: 1:04:57
